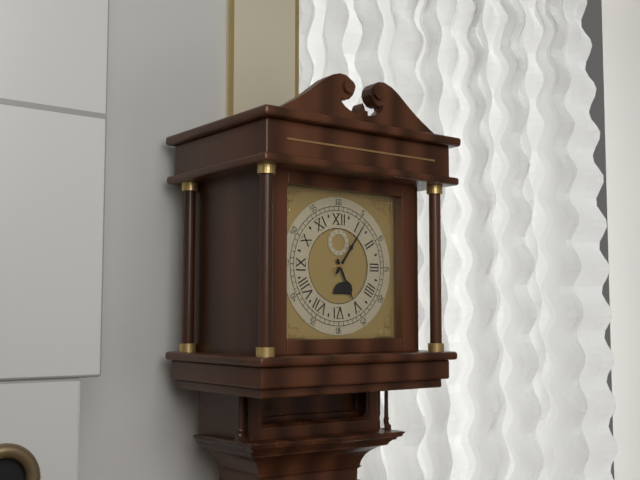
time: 5:06
